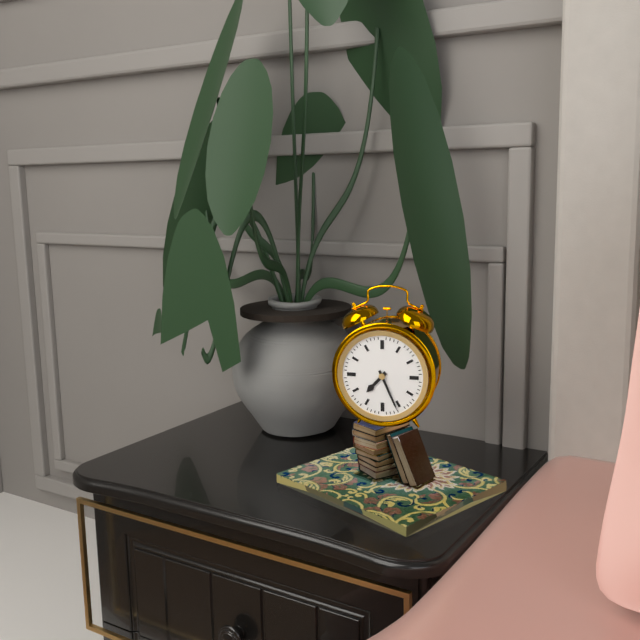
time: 7:26
